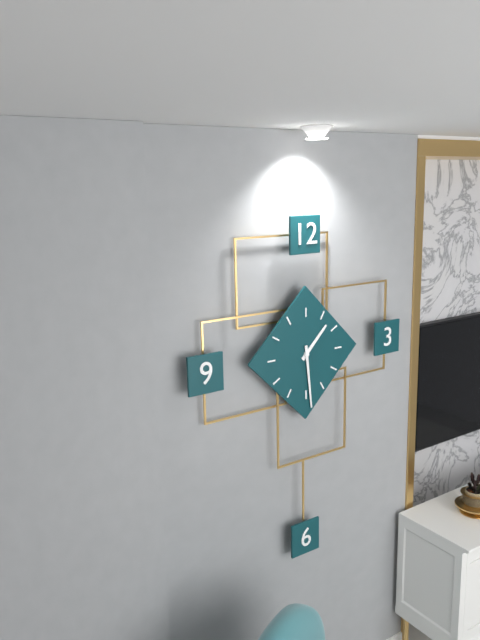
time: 1:29
